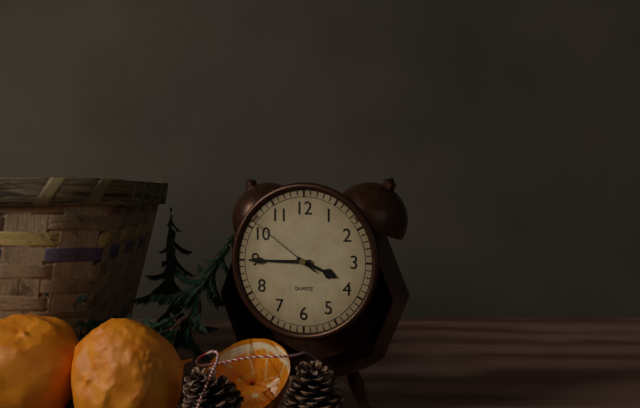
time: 3:45:51
